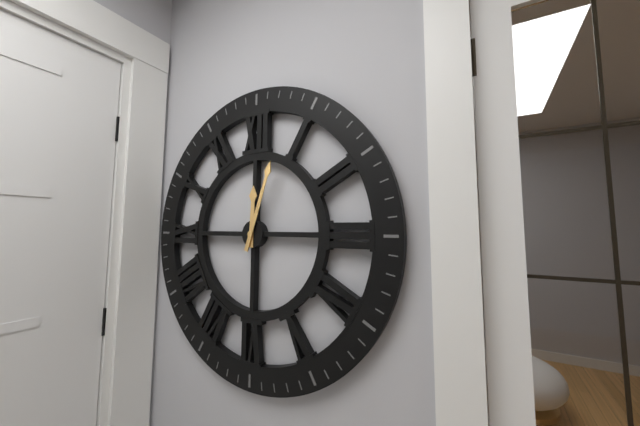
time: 12:03
